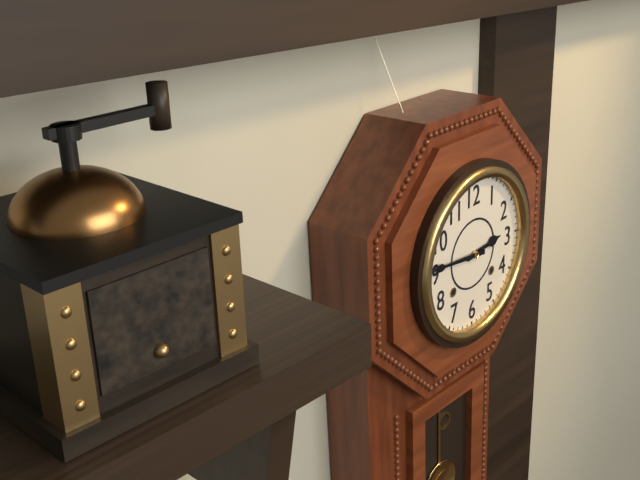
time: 2:46
